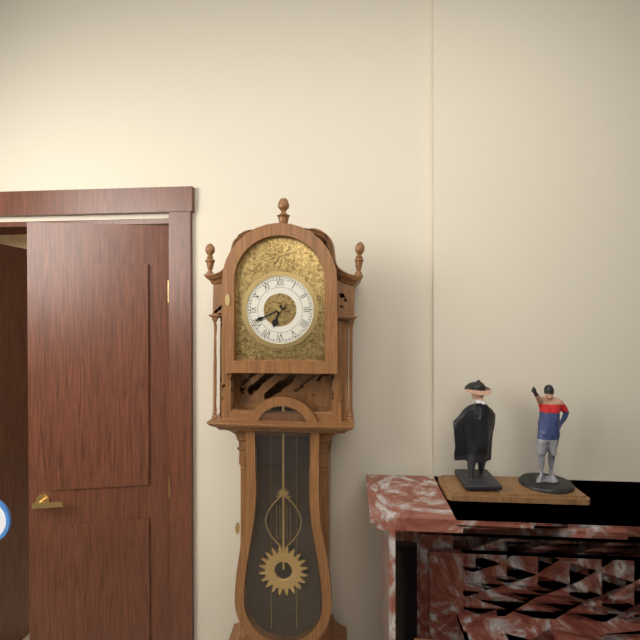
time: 6:41
